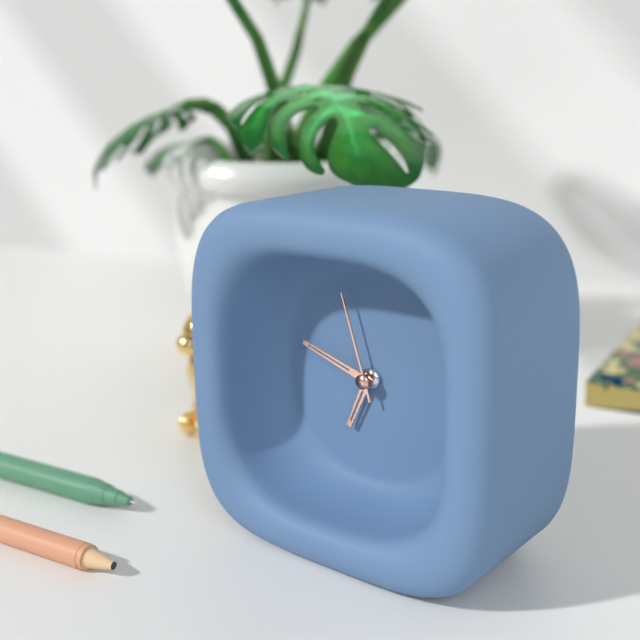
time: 6:48:57
